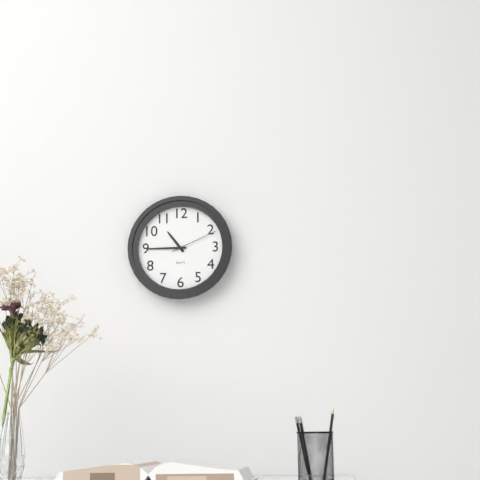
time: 10:45
